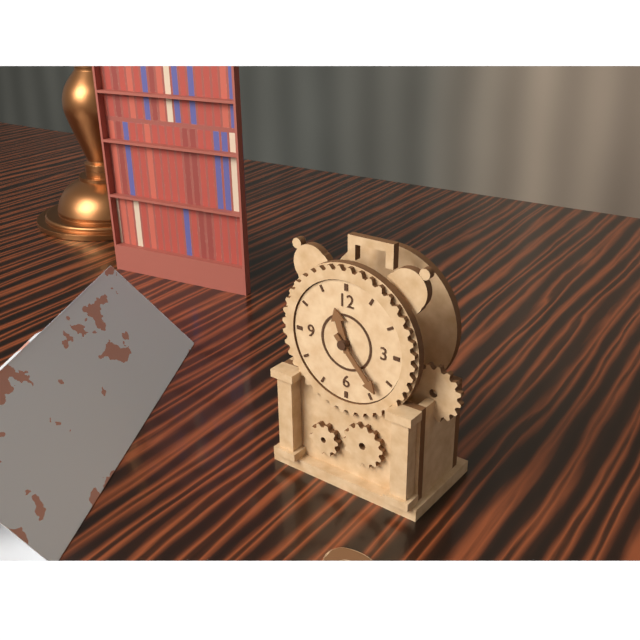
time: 11:23
